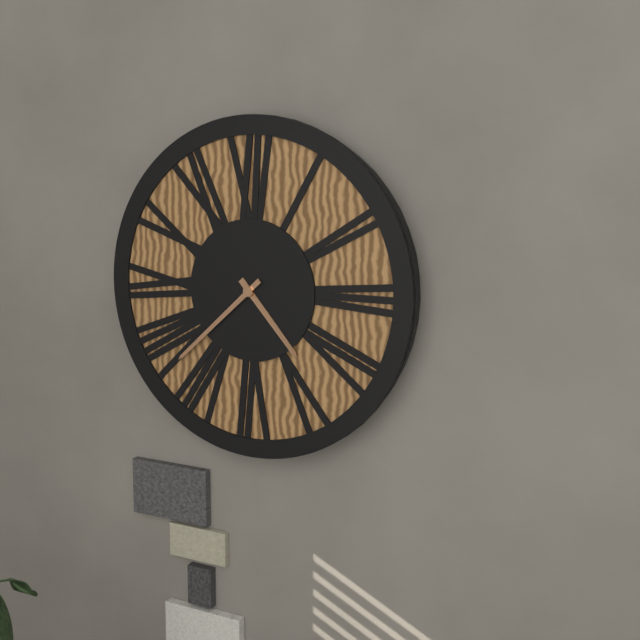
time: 4:38
